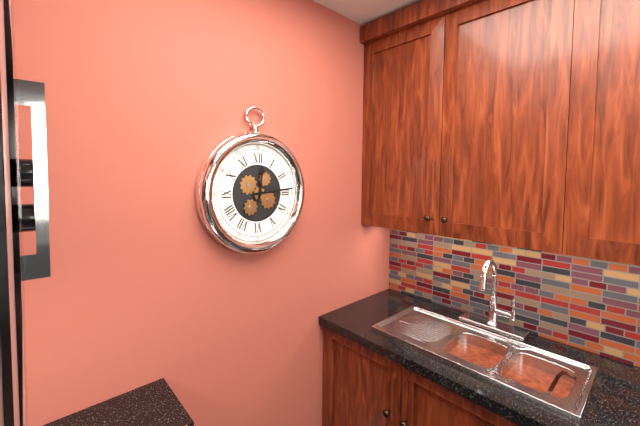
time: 12:14
